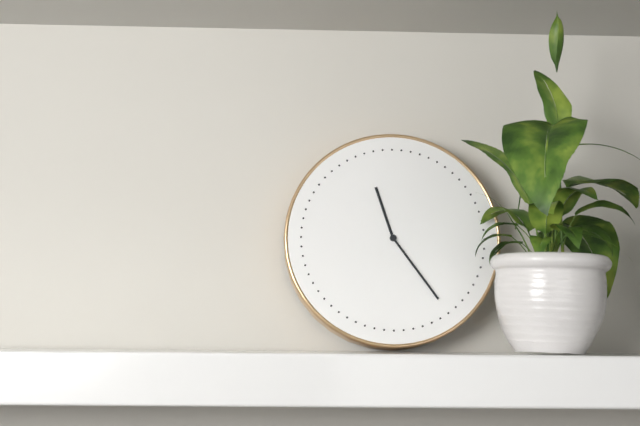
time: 11:24
